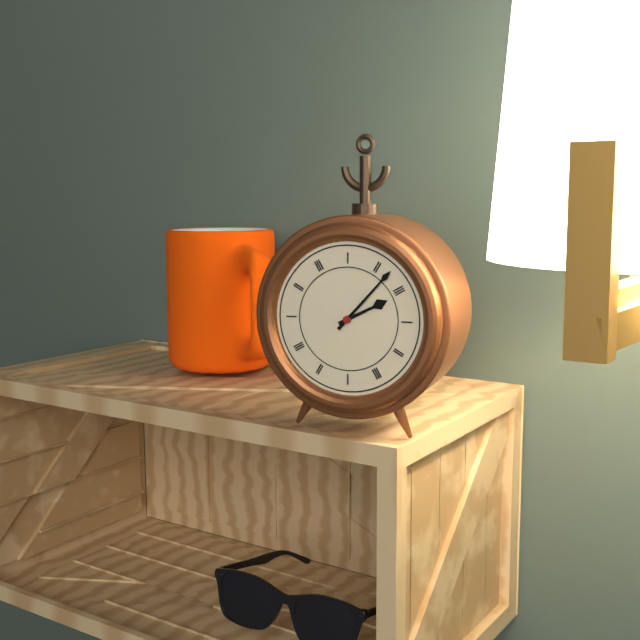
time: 2:07
